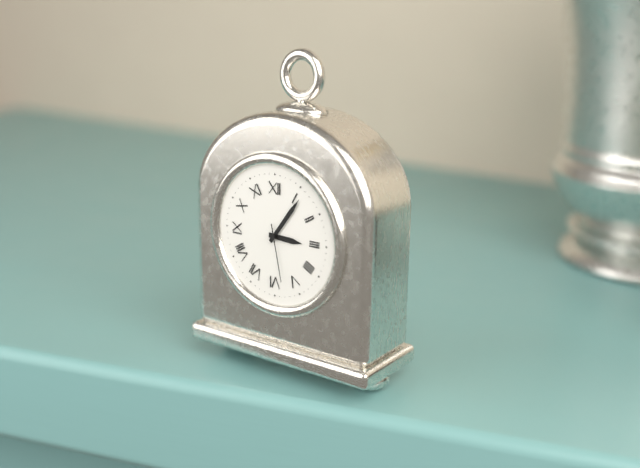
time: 3:06:28
